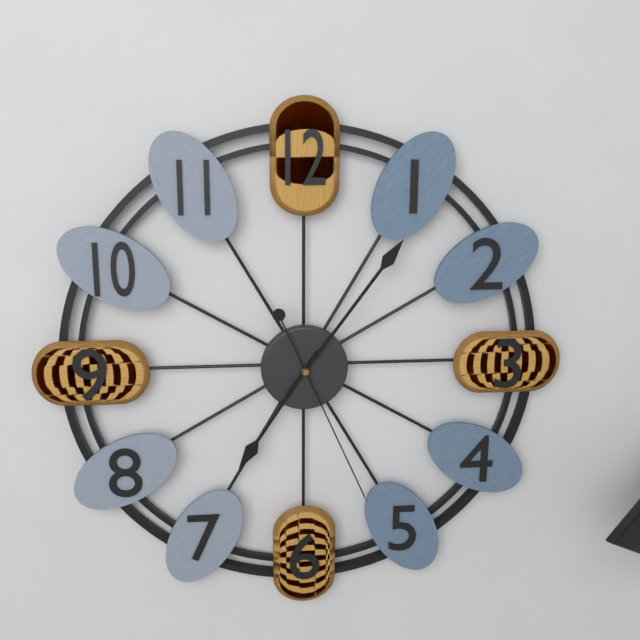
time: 7:06:26
